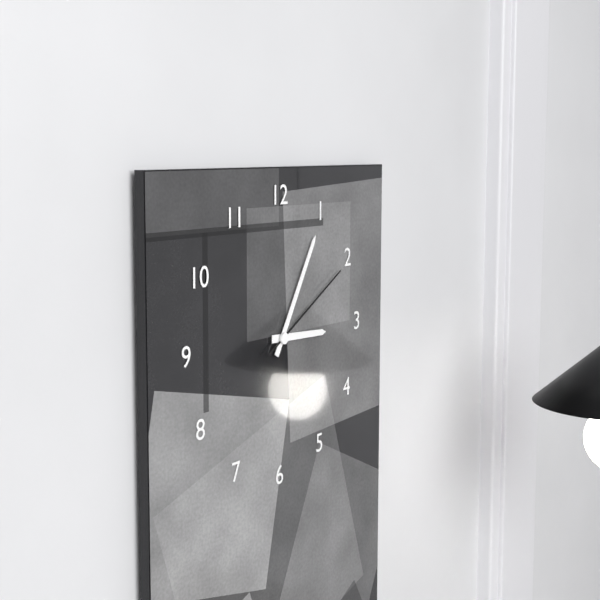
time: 3:05:10
